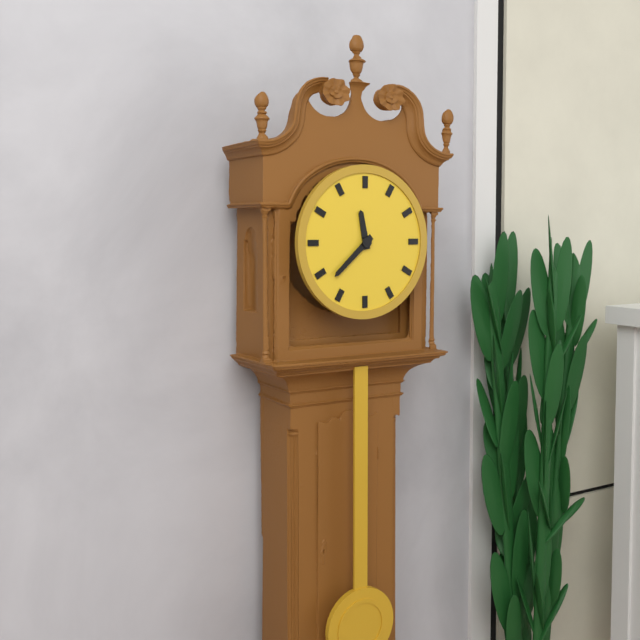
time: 11:38
